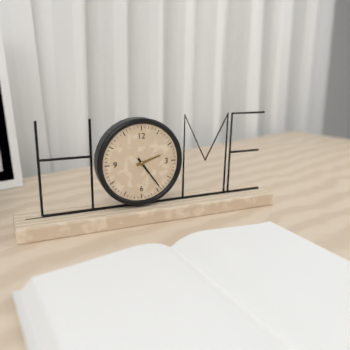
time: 2:24
